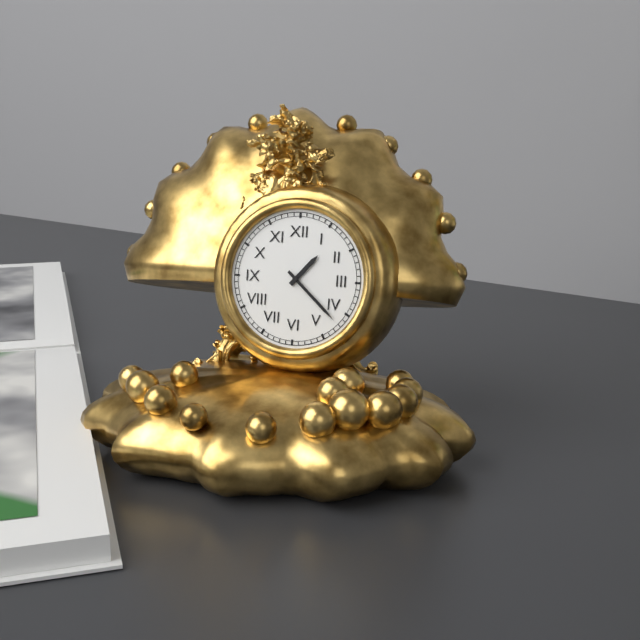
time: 1:22
